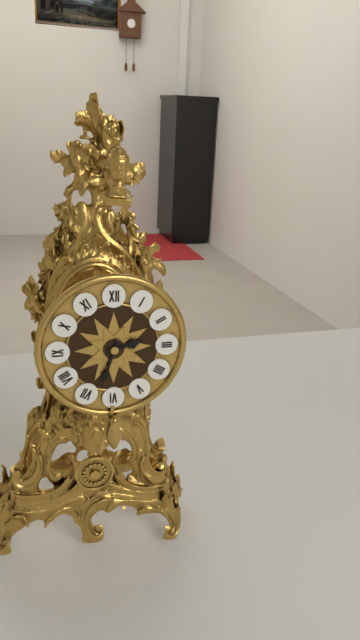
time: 2:33
